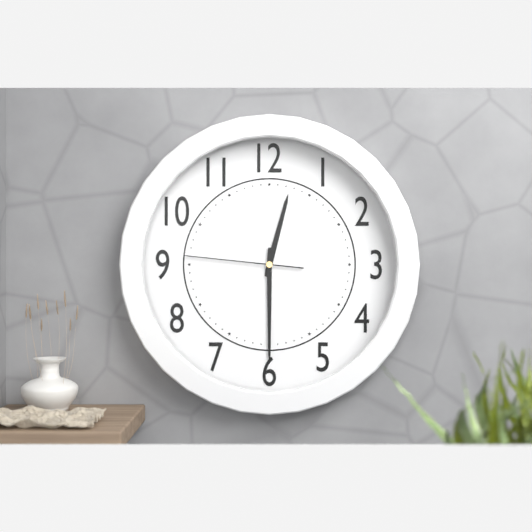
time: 12:30:46
